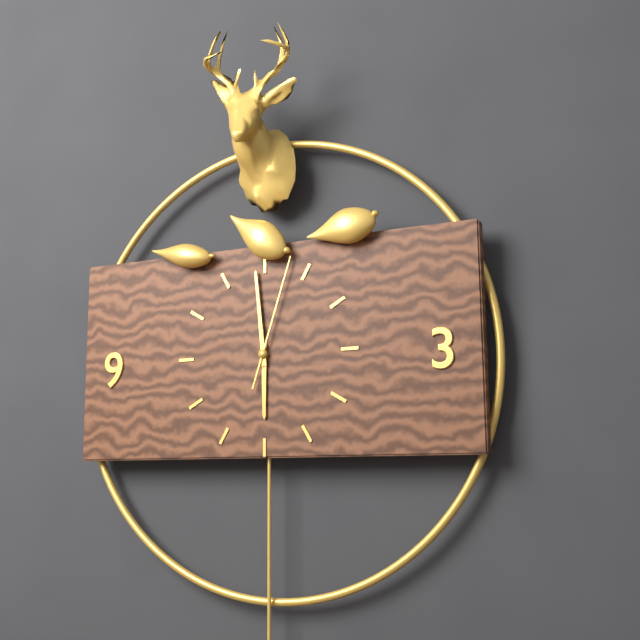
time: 5:59:03
